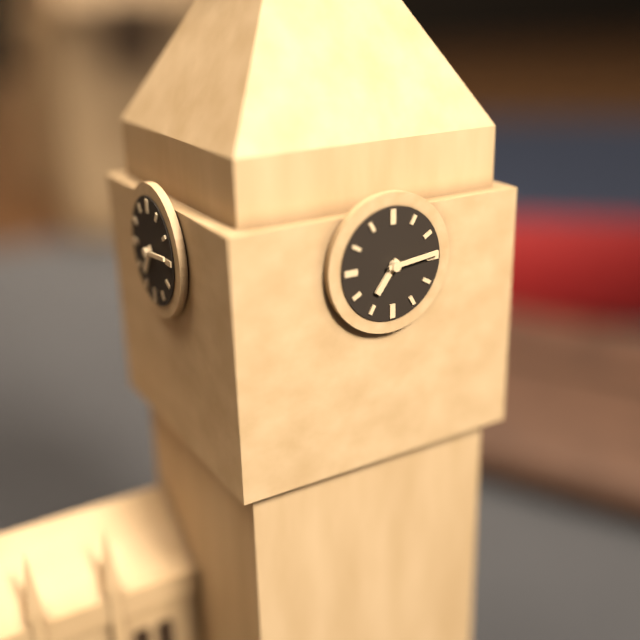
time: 7:14
